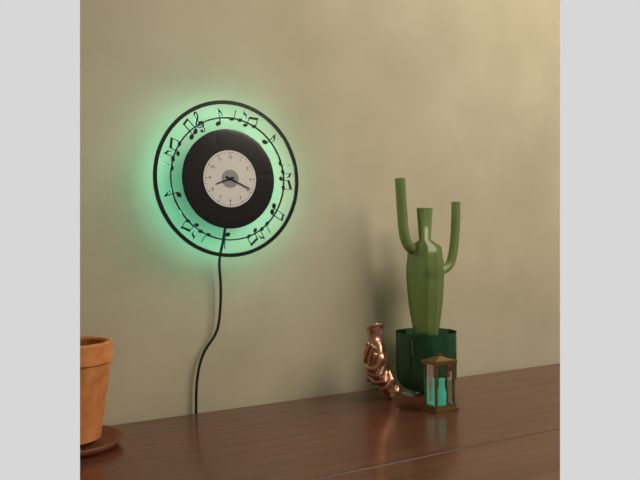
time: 8:19
